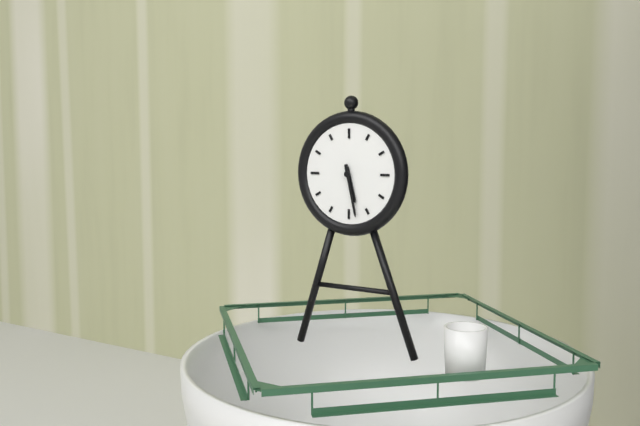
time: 5:28
